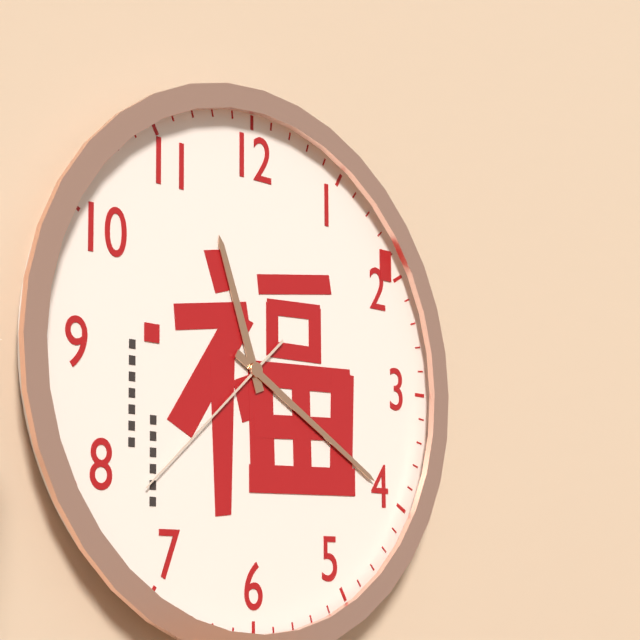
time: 11:20:38
